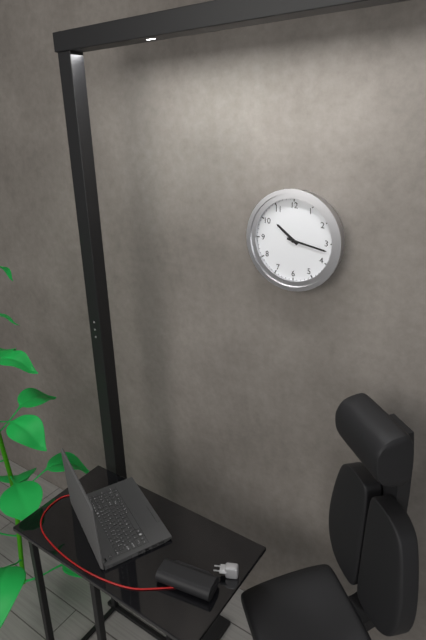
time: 10:17
